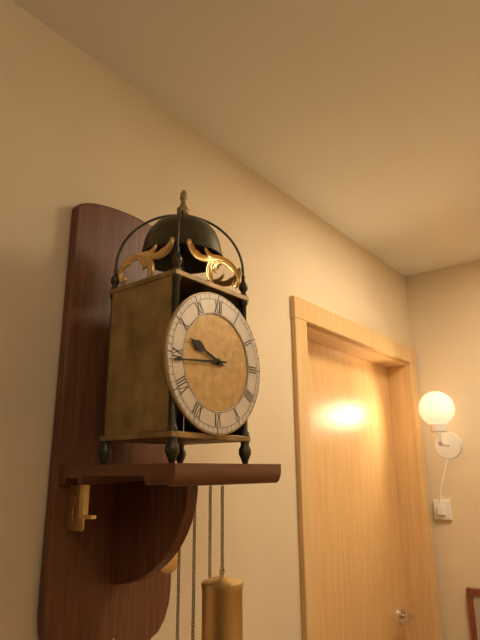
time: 9:44
